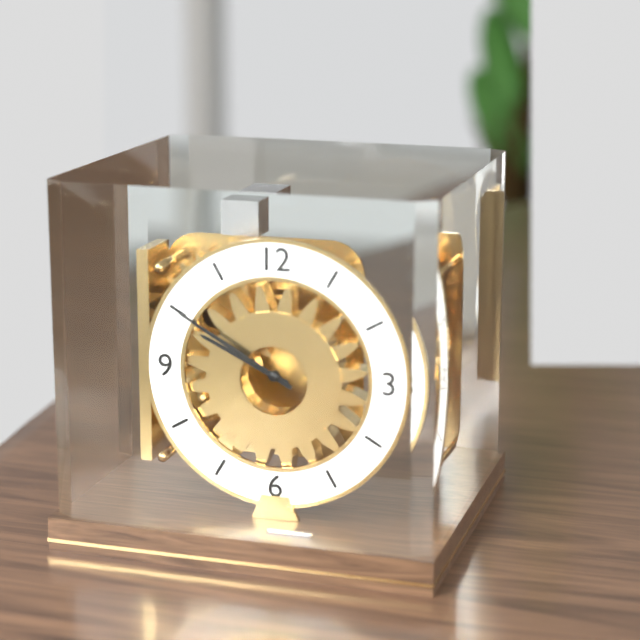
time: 9:50
